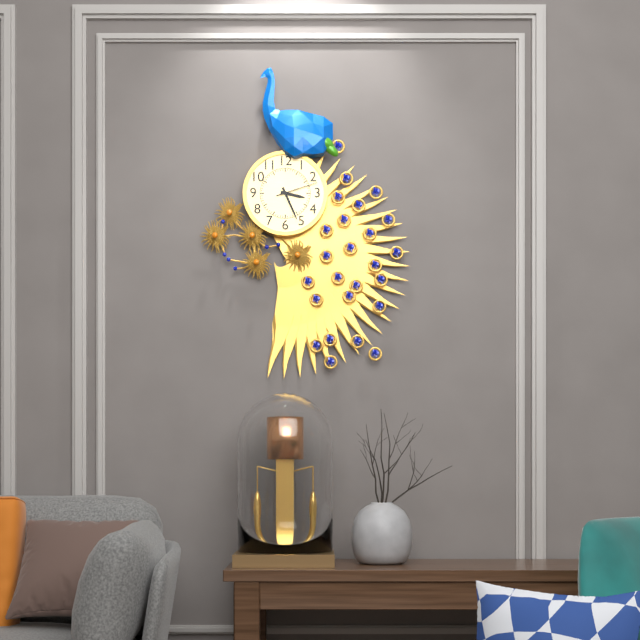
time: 3:26
